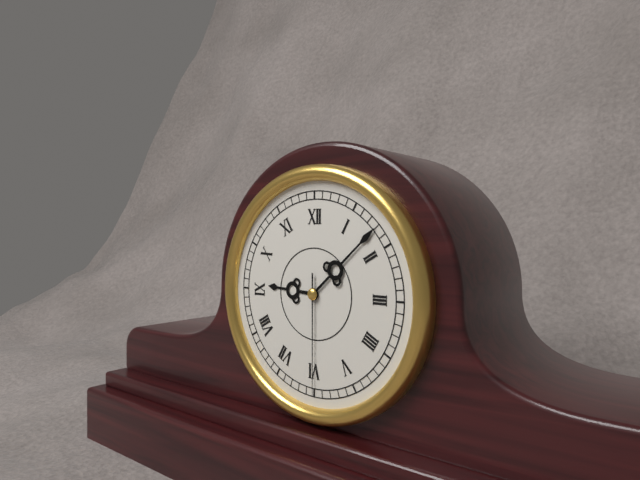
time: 9:08:30
